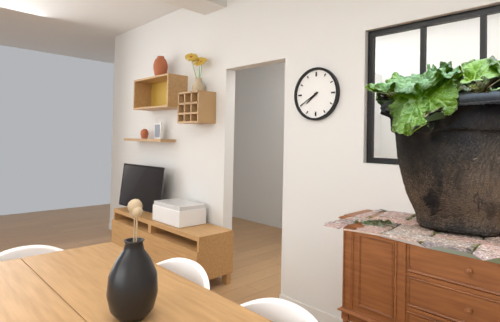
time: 7:40
